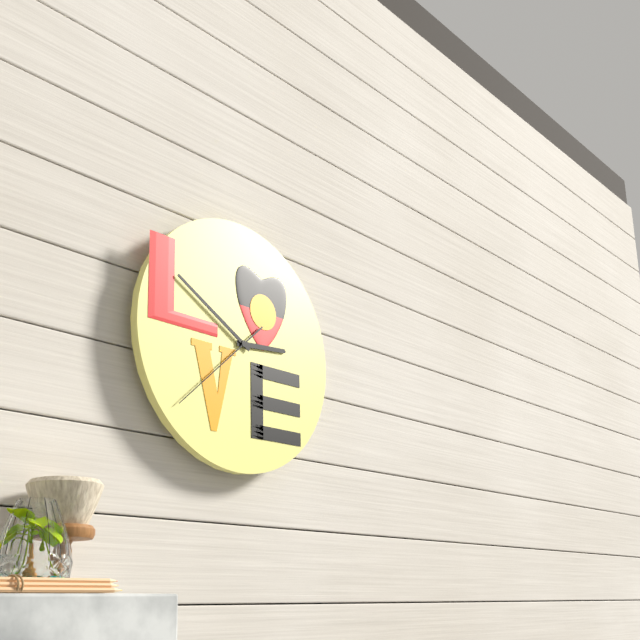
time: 2:50:38
